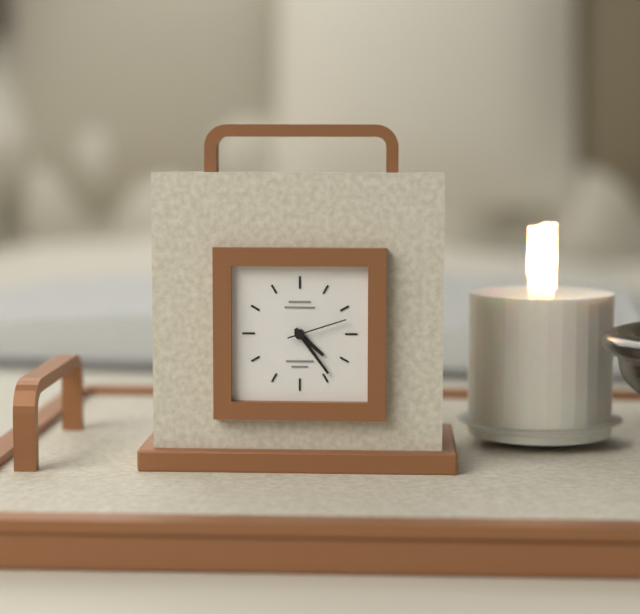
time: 4:24:12
